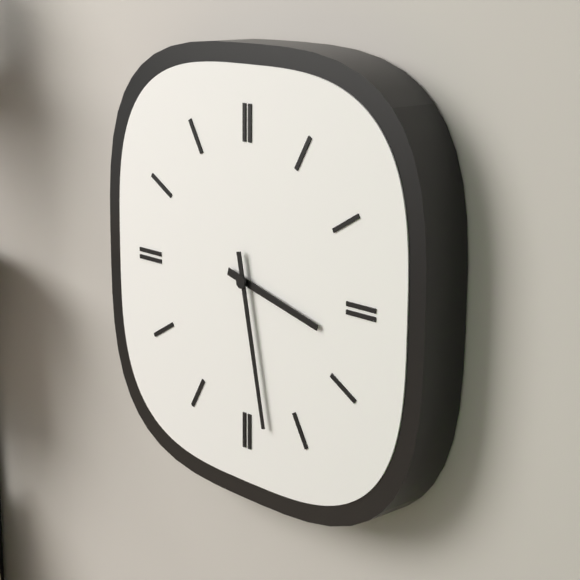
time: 3:28
